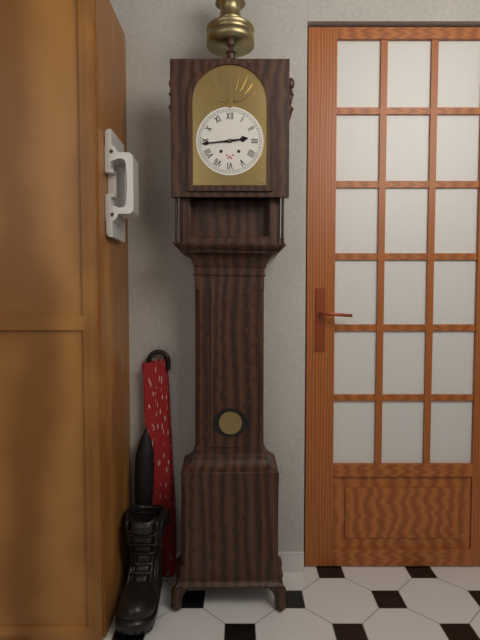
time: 2:44
